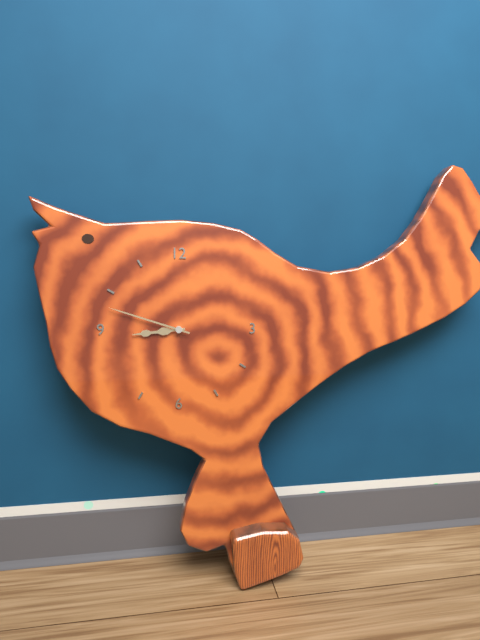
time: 8:48
